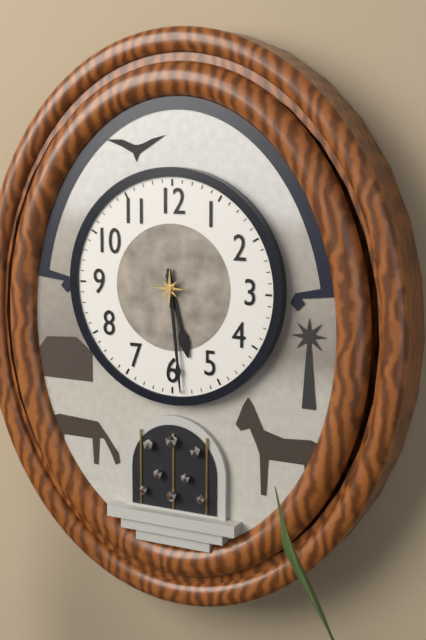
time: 5:29
